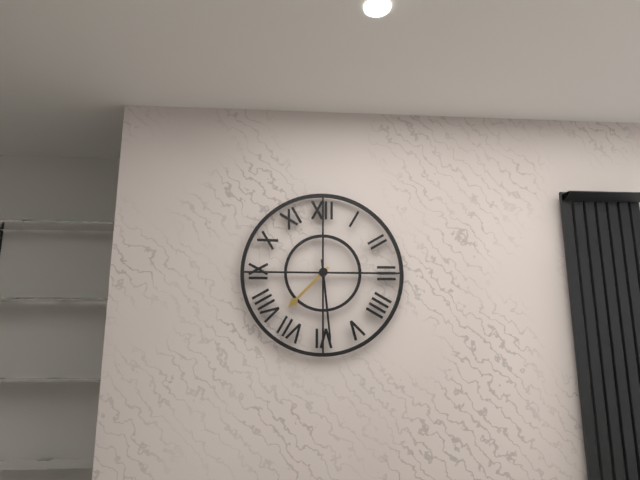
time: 7:29
